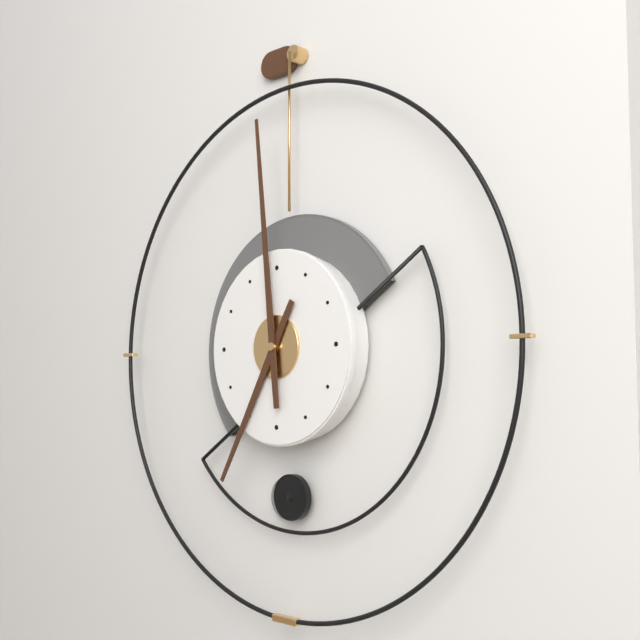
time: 6:59
